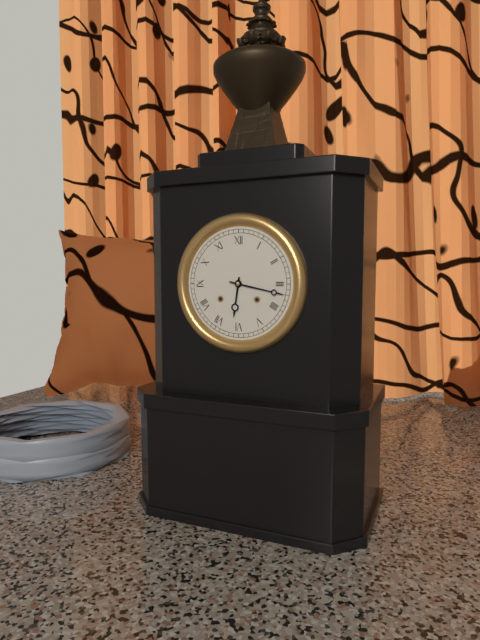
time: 6:17
